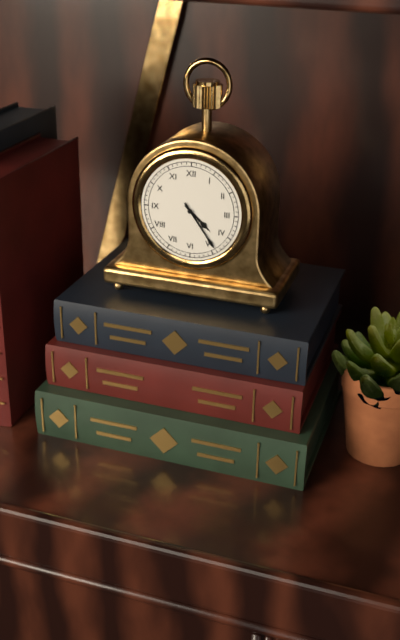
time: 4:24
